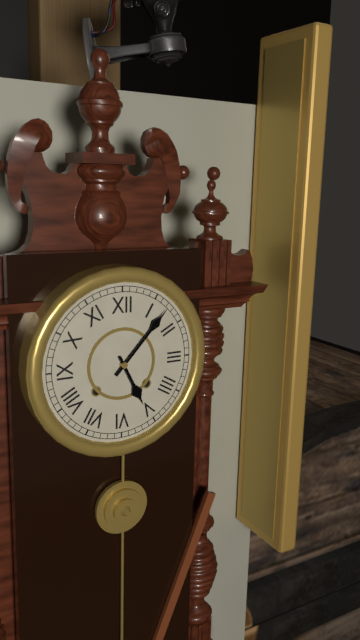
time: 5:07
